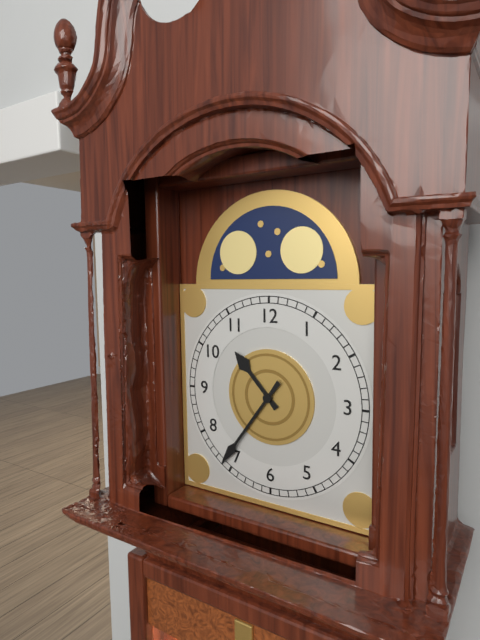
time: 10:36
